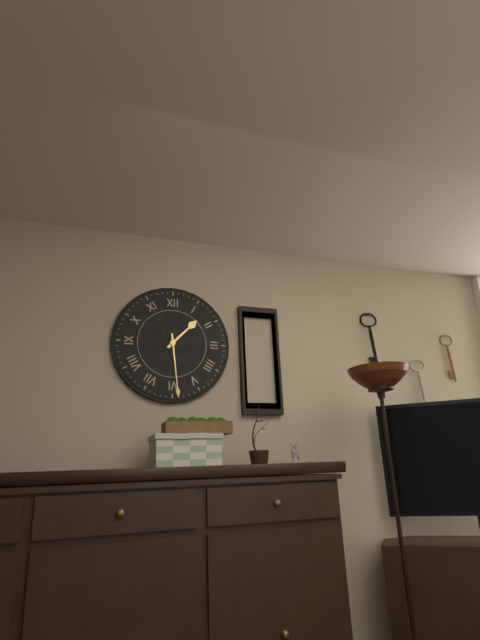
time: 1:29
